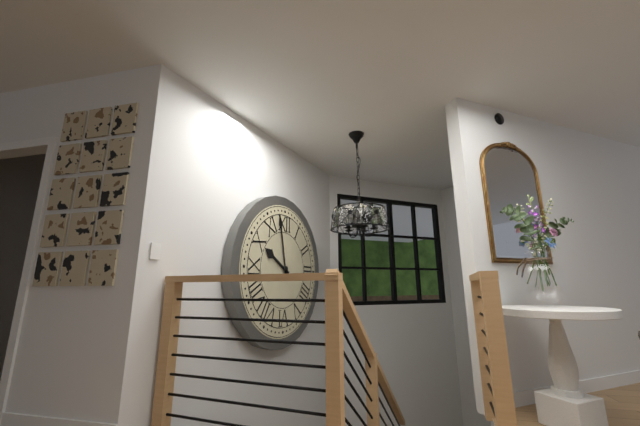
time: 9:58
